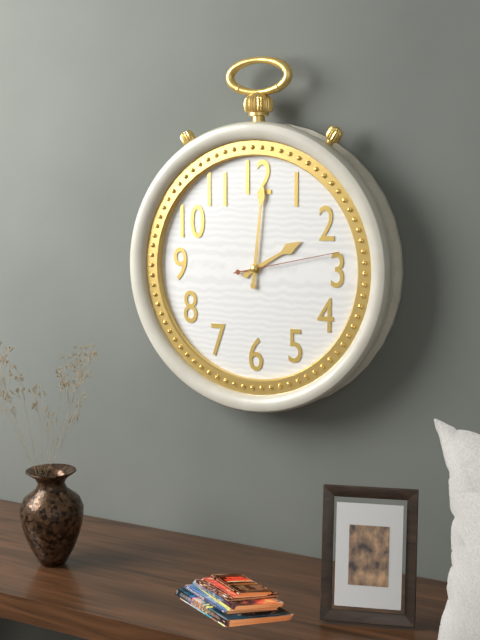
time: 2:01:13
